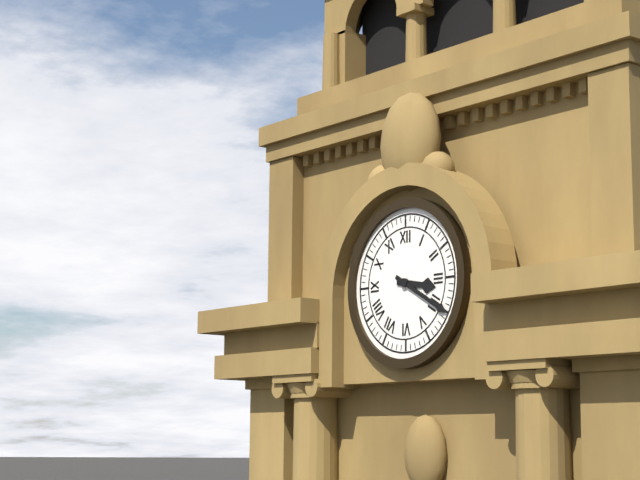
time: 3:20
